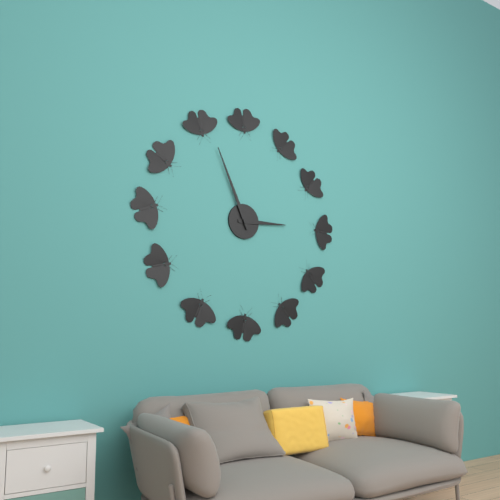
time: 2:56
